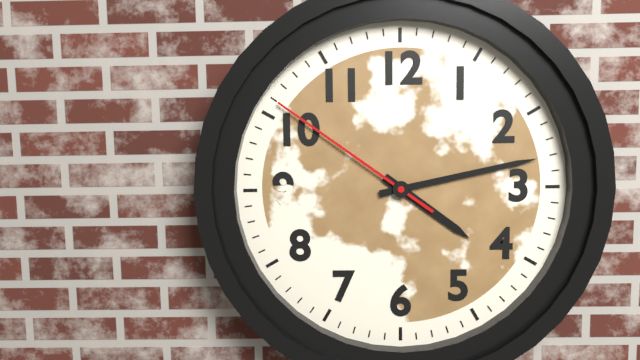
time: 4:13:51
